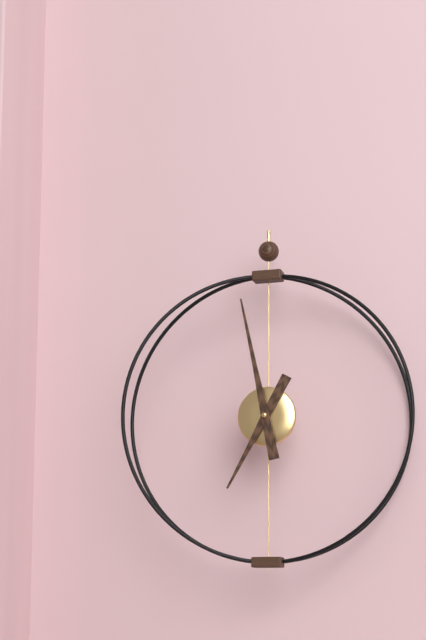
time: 6:58
